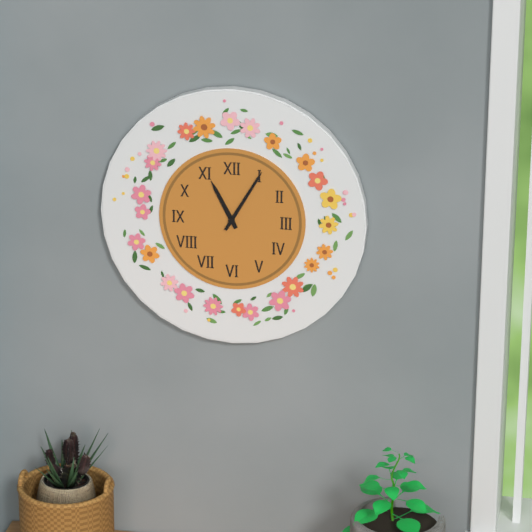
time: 11:05
